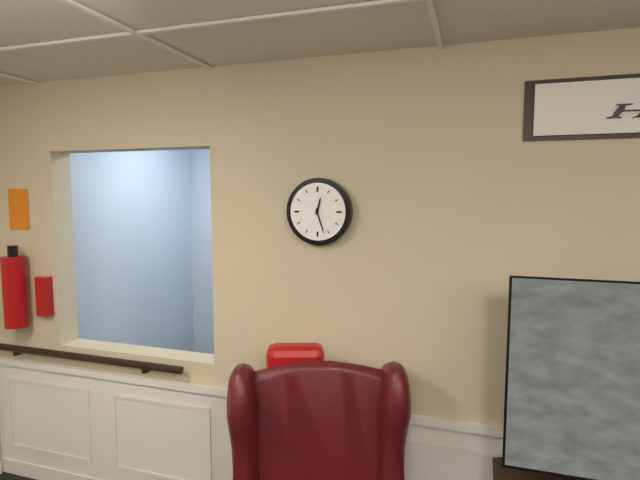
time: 12:27
